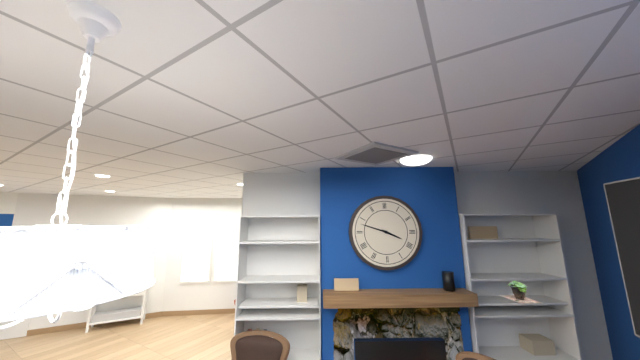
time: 3:48
